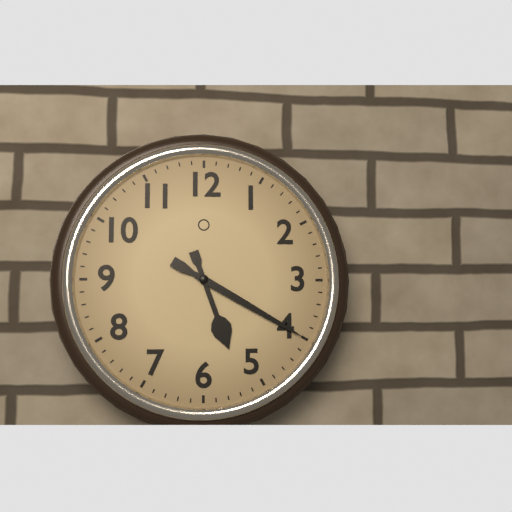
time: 5:20
